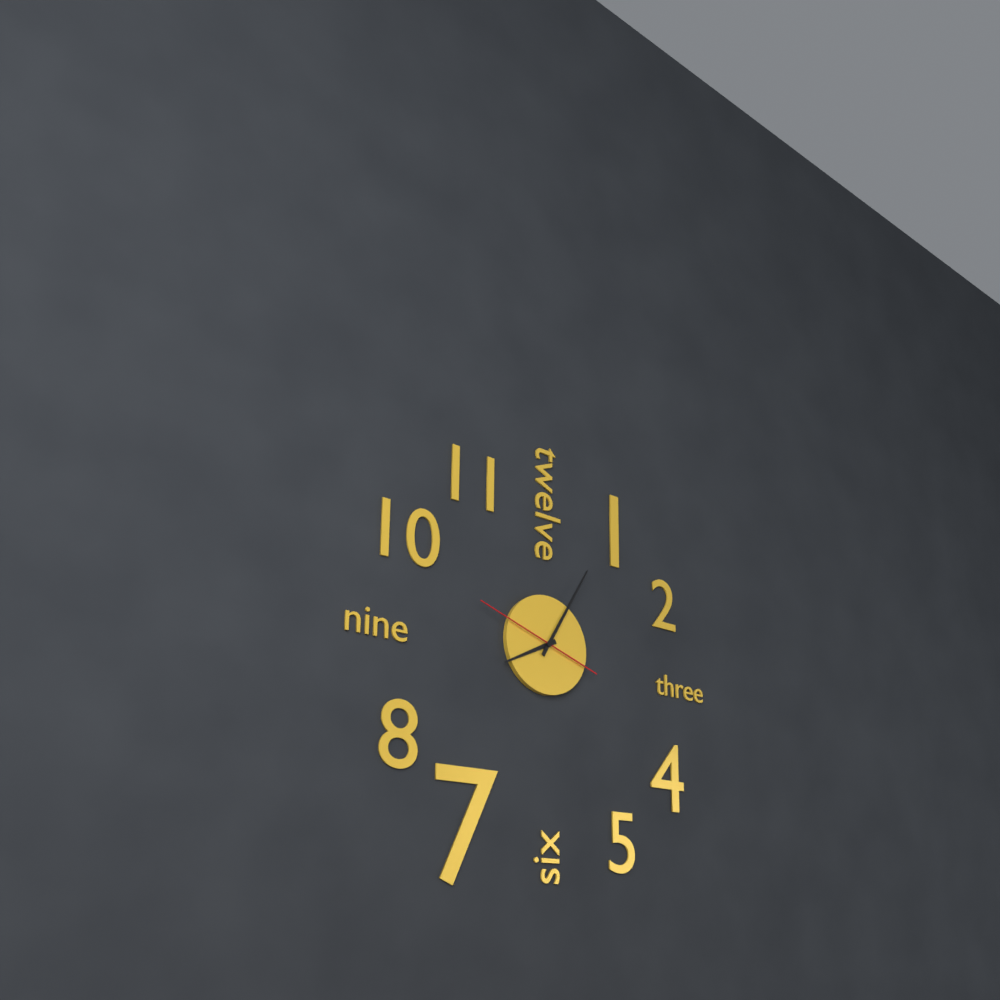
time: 8:05:48
